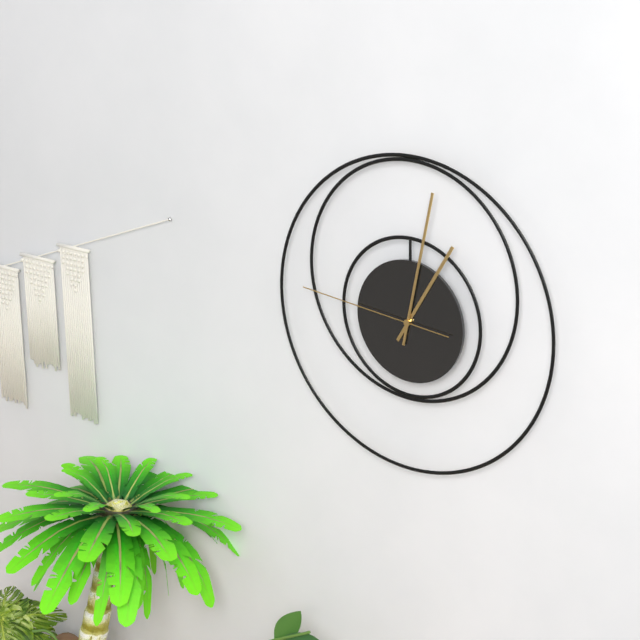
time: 1:02:46
